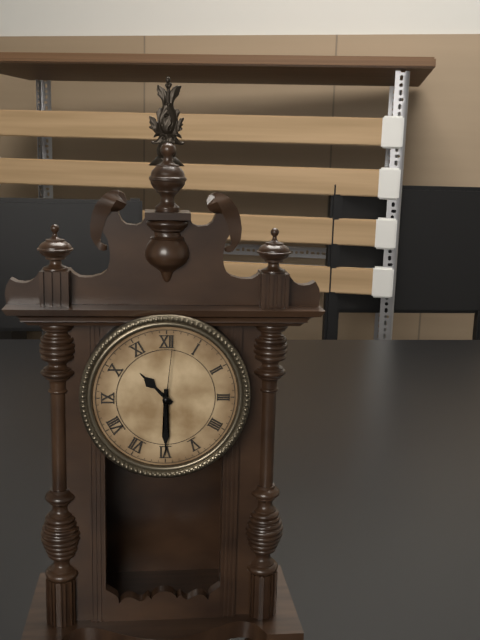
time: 10:30:01
